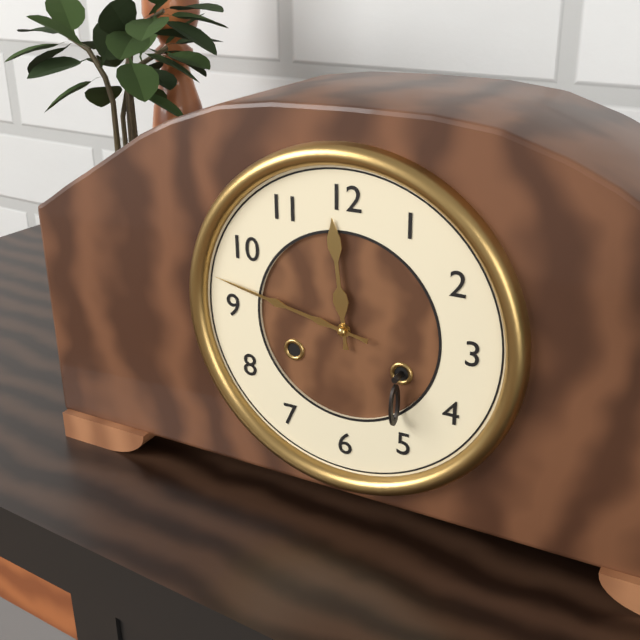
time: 11:47
